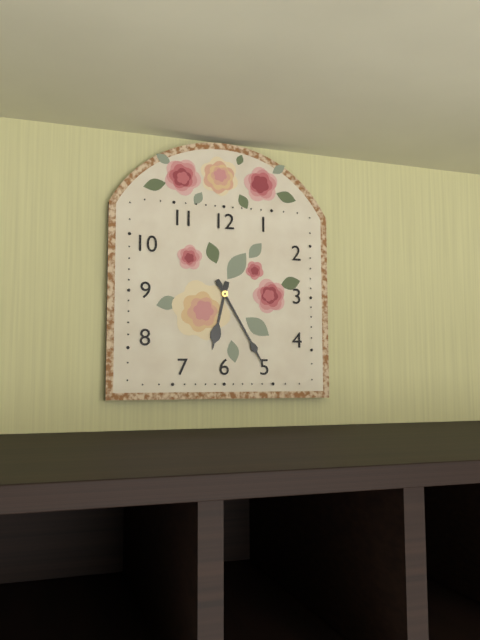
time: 6:25
